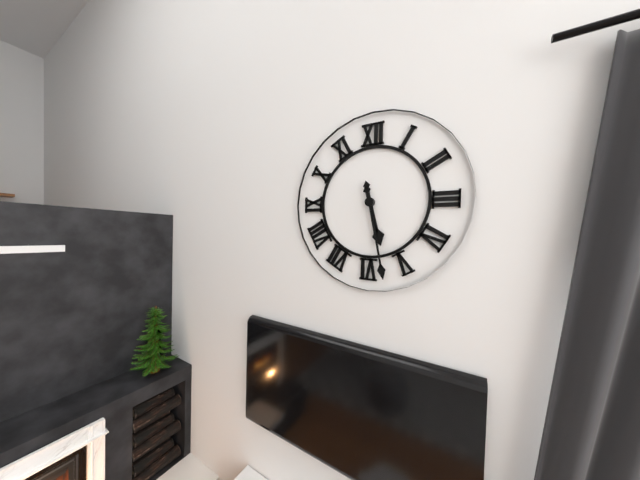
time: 5:28
